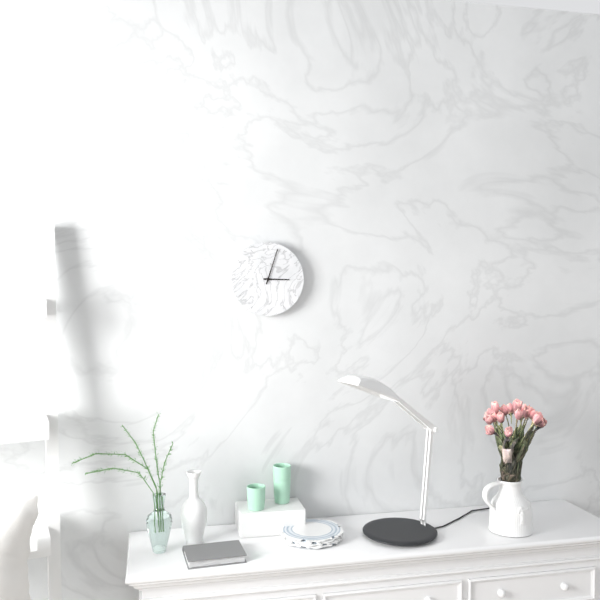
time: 3:03
